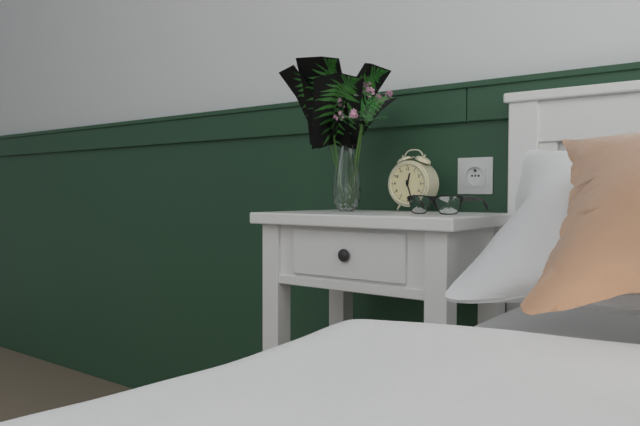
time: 12:27
